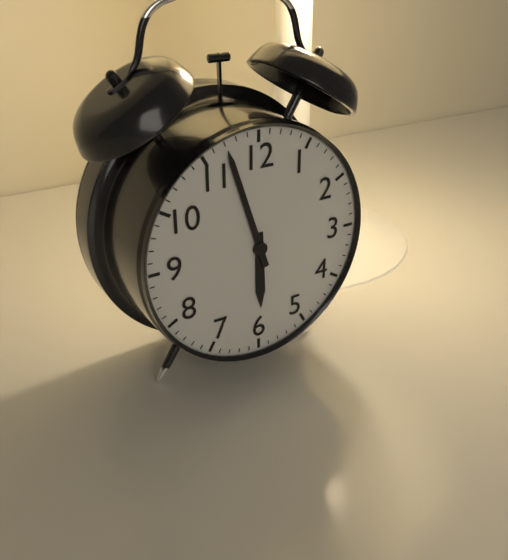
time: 5:57
